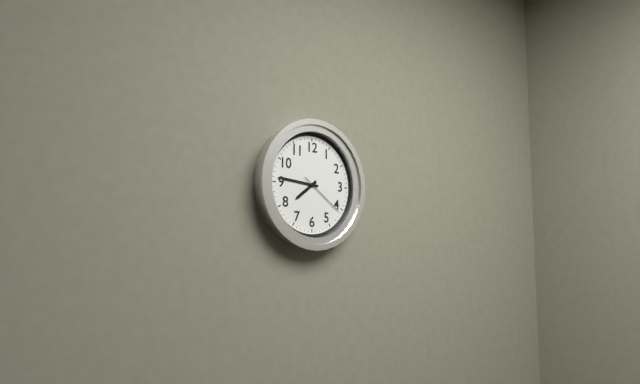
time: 7:46
